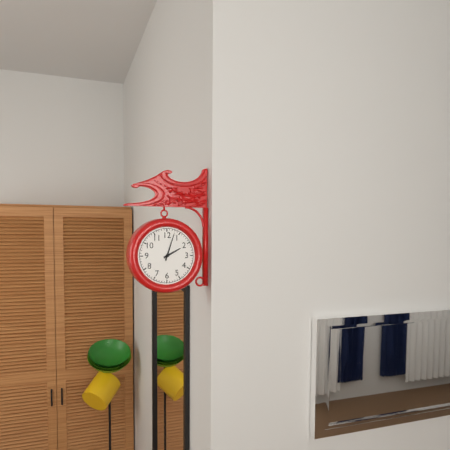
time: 2:03
